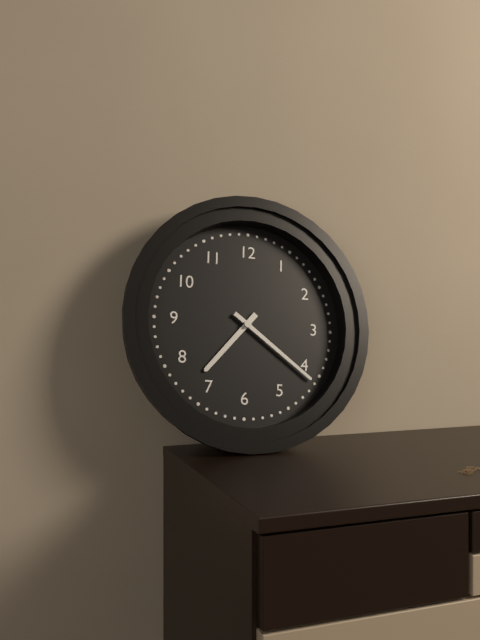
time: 7:21
